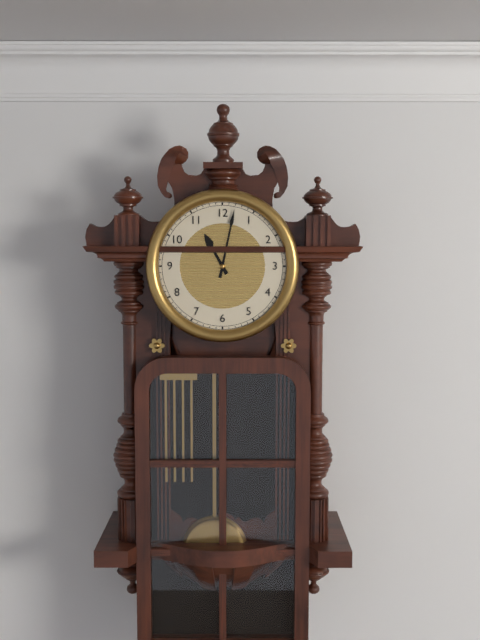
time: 11:02
